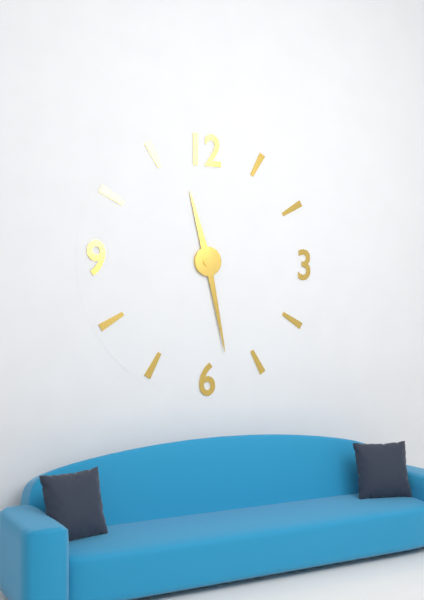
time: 11:28
